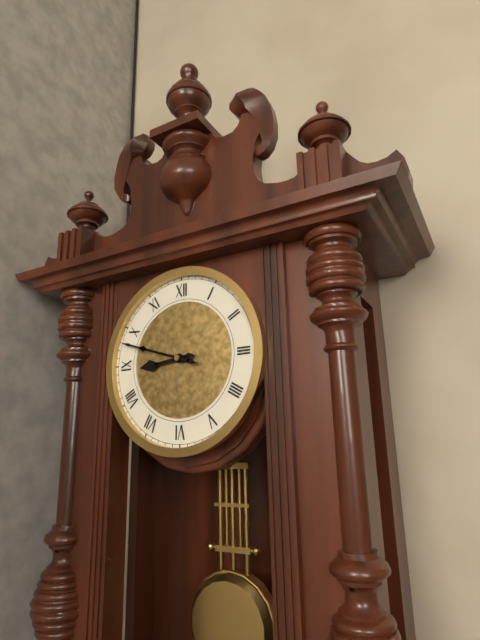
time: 8:48
